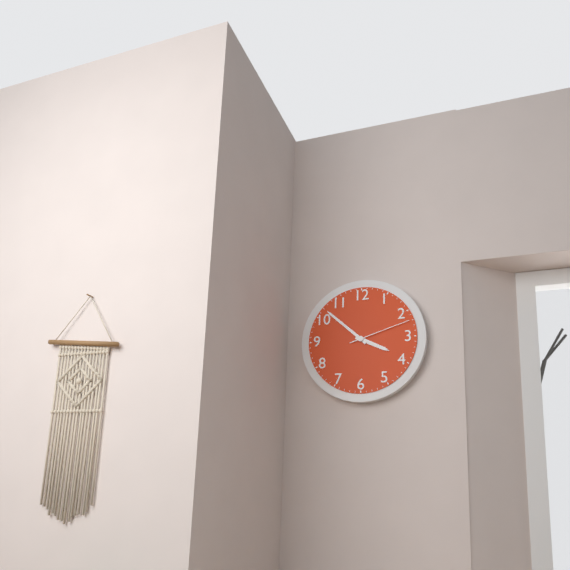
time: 3:52:12
